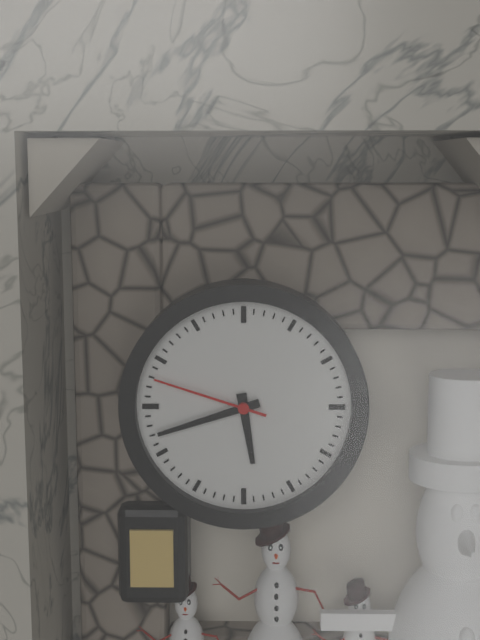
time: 5:42:48
